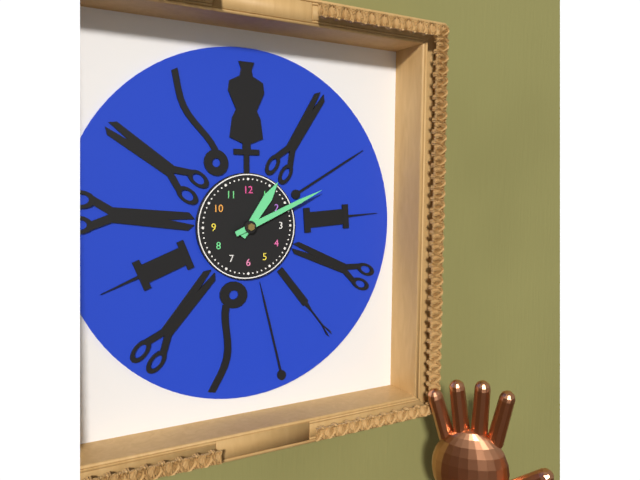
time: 1:11
